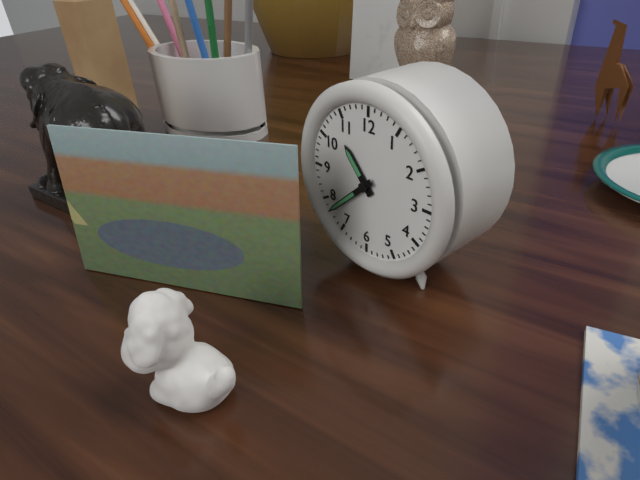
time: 10:38
